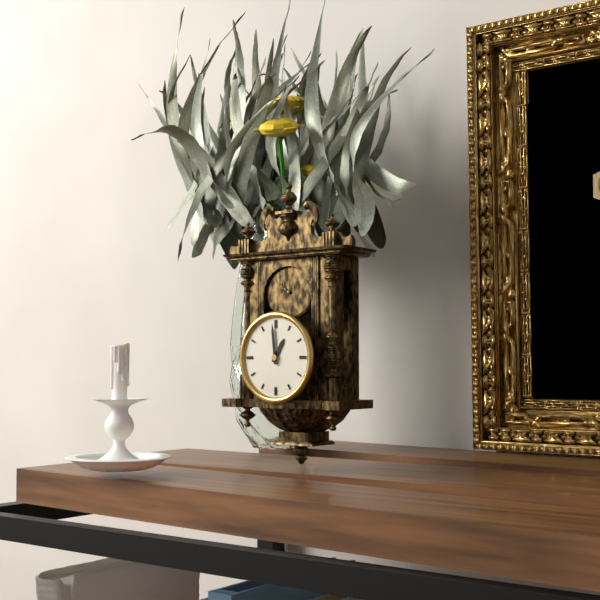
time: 12:59
